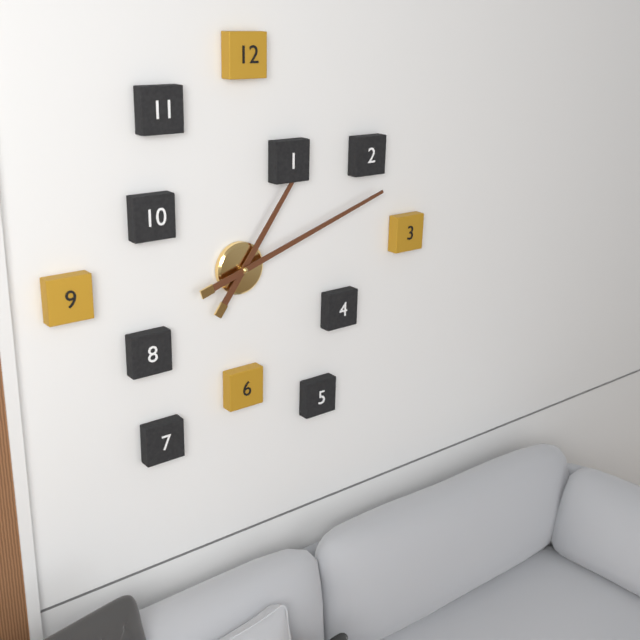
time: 1:12
